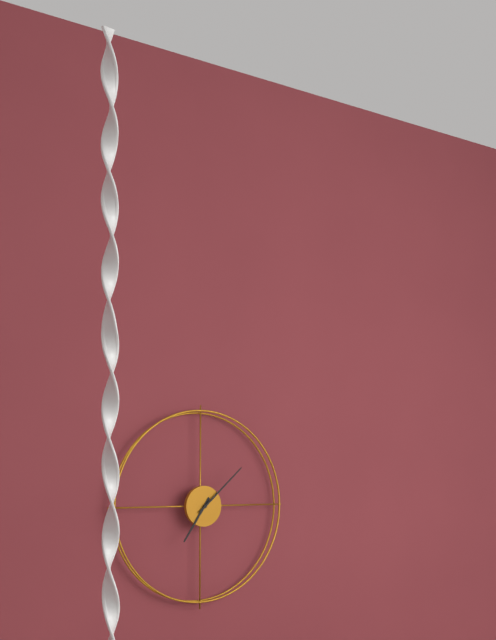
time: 7:08
